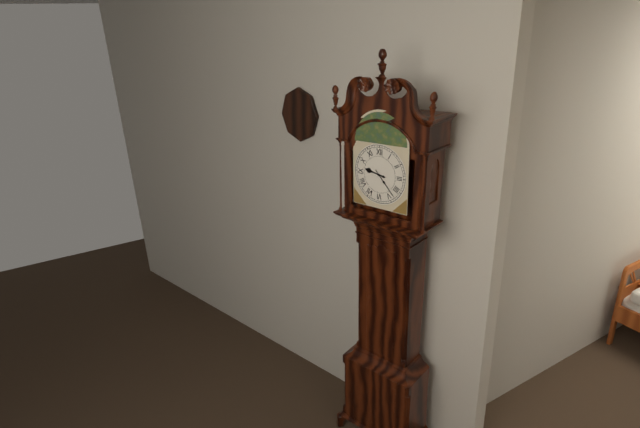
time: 9:23
